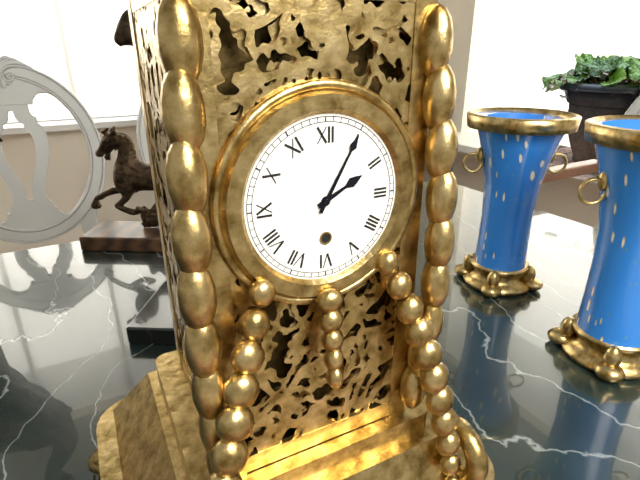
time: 2:05
